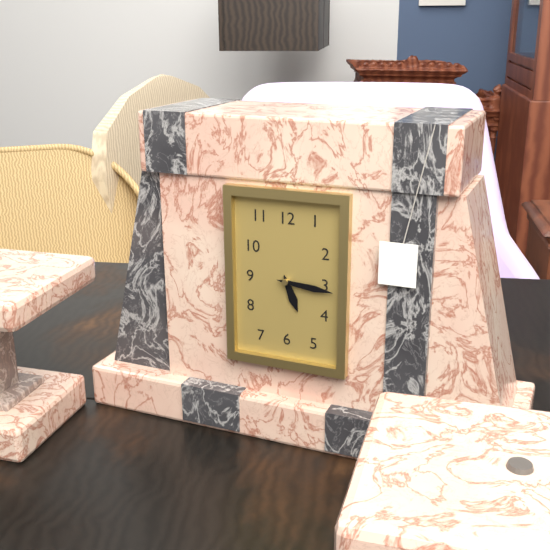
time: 5:16
